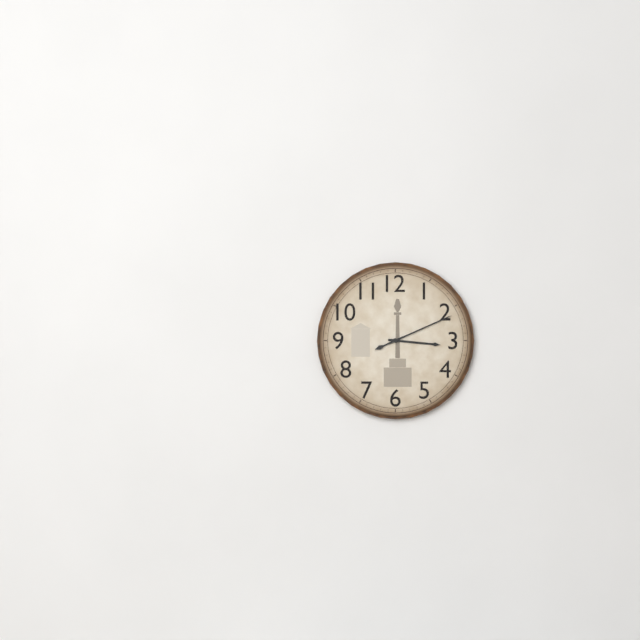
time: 3:11
